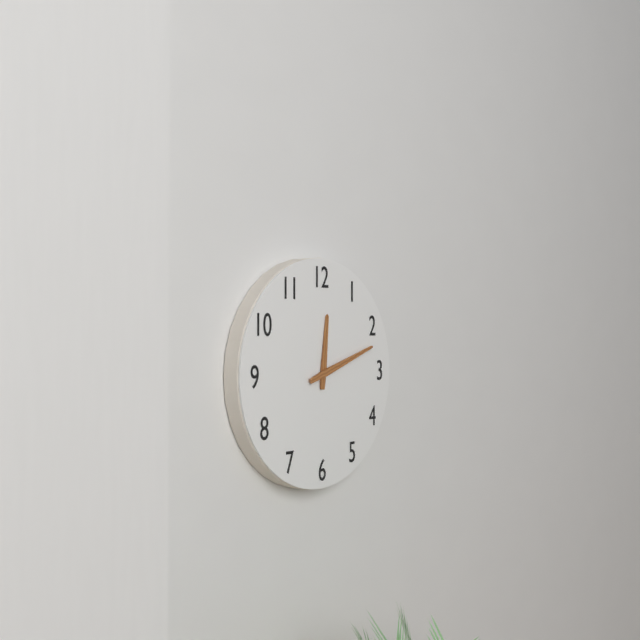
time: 12:12
